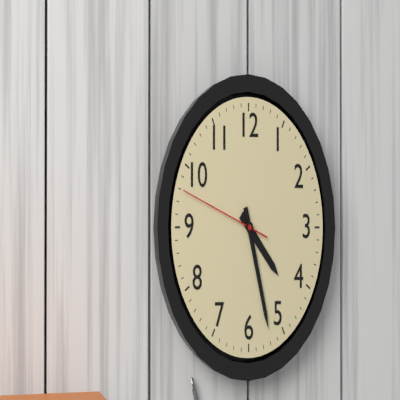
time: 4:27:48
